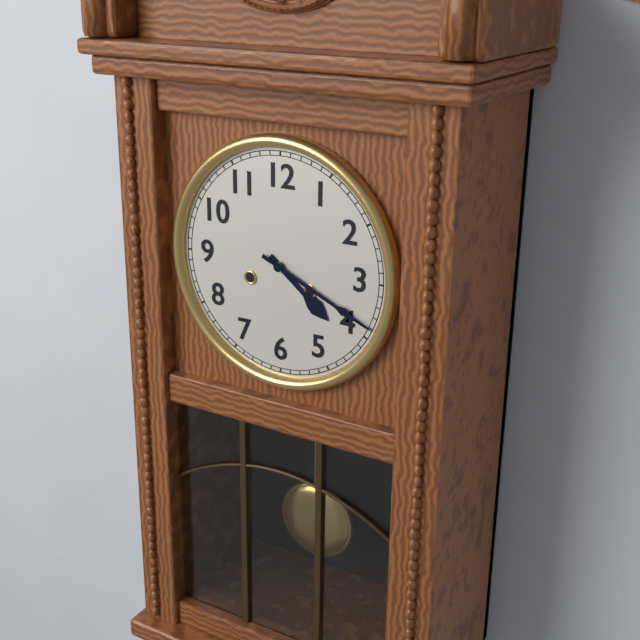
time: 4:19
